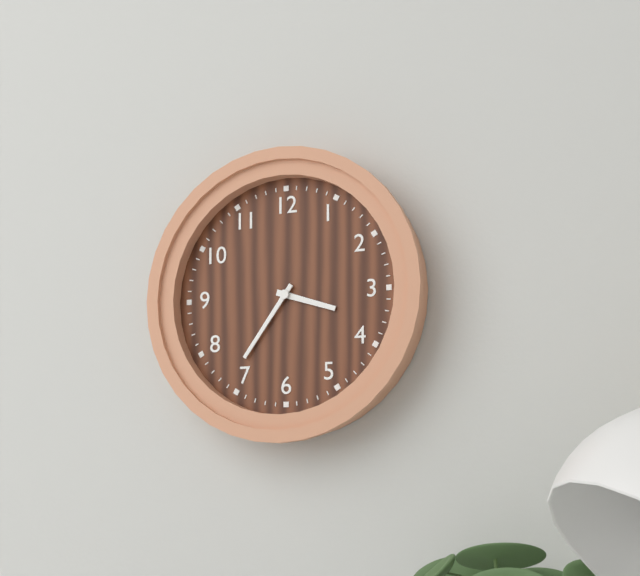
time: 3:36
